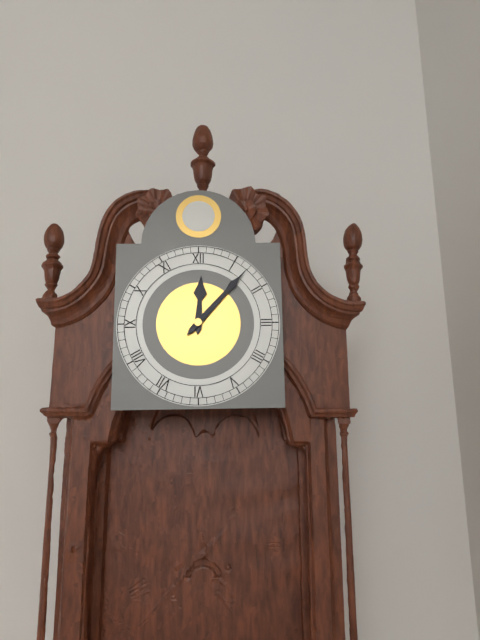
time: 12:07
